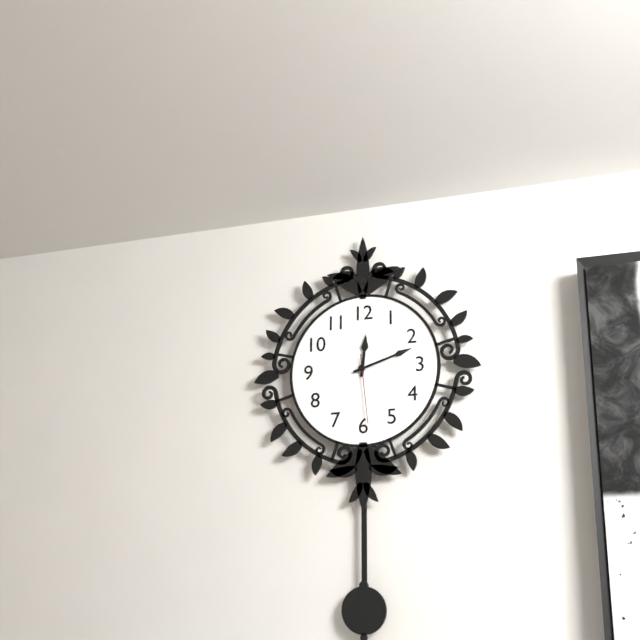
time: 12:12:29
